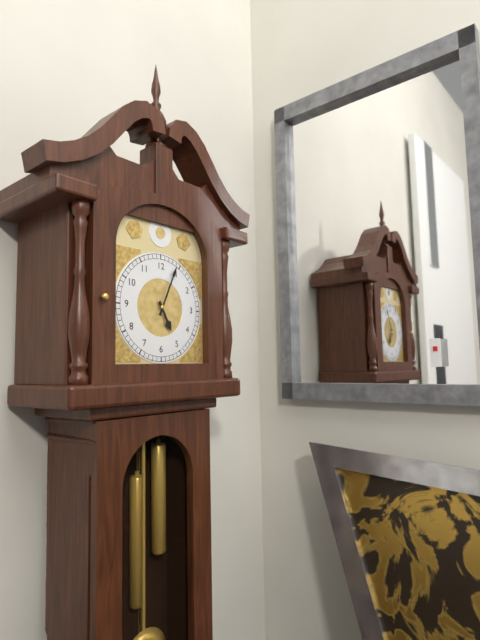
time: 5:04
